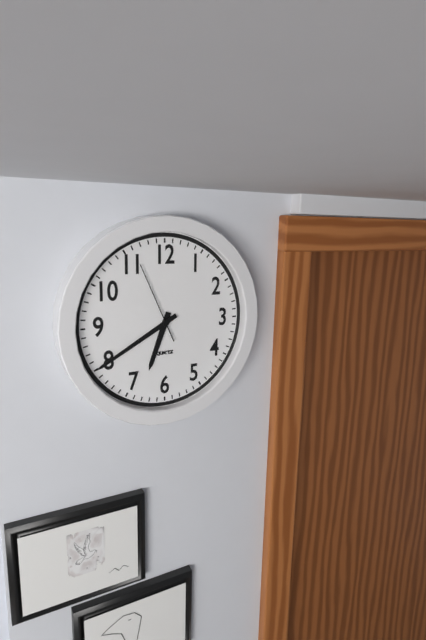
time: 6:40:56
